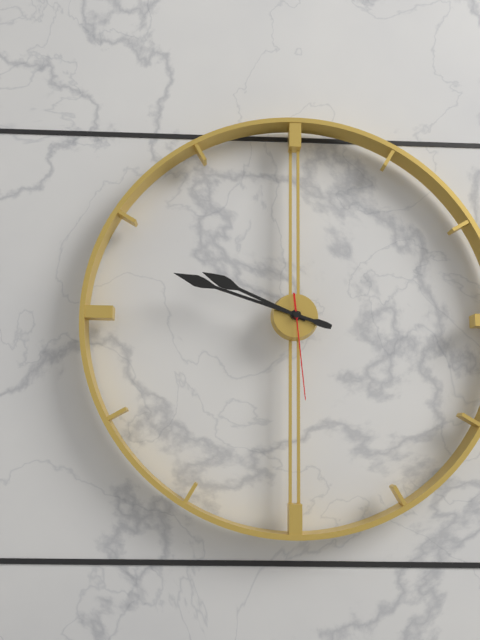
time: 9:48:29
